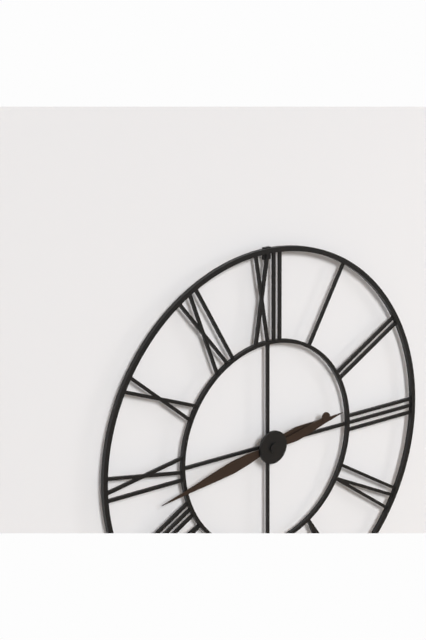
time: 2:43
